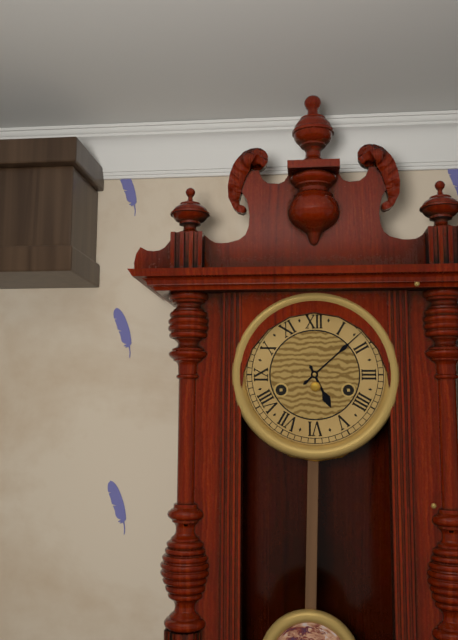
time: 5:08
